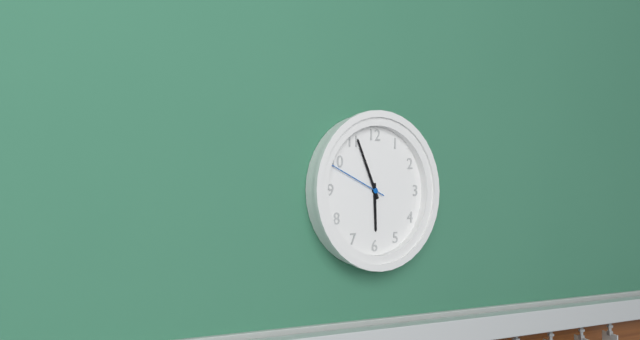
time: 5:56:49
